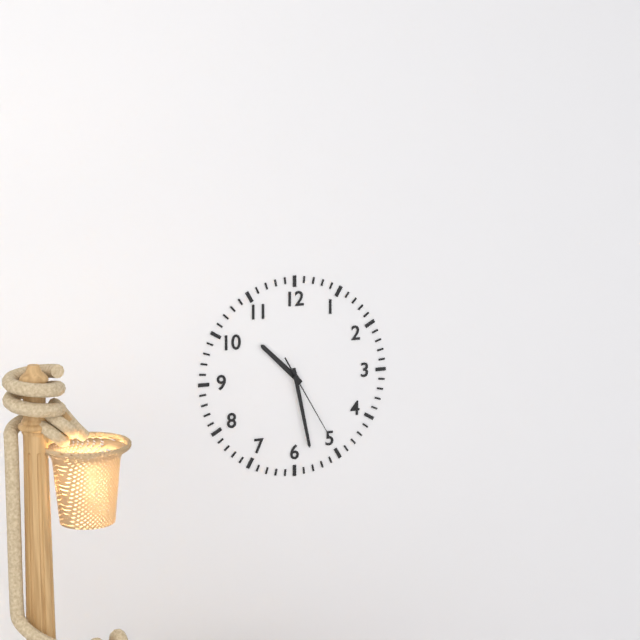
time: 10:28:25
